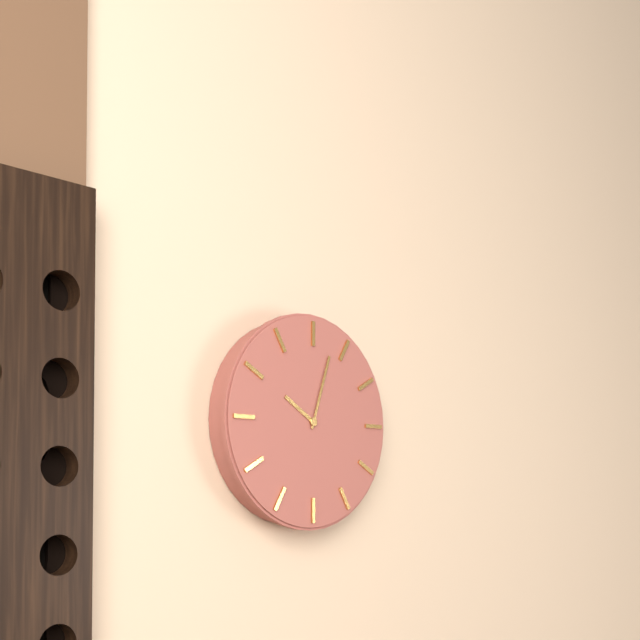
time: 10:03
